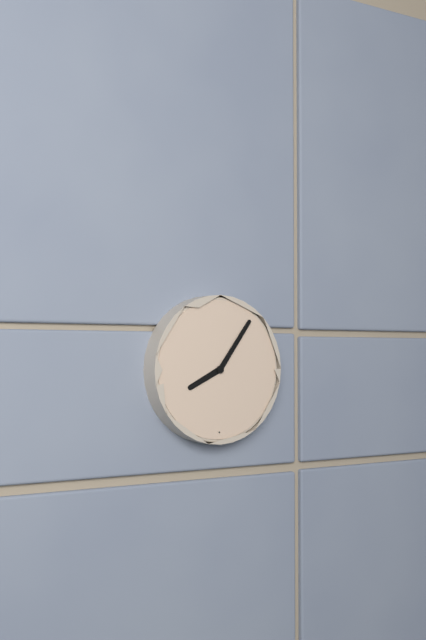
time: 8:06
